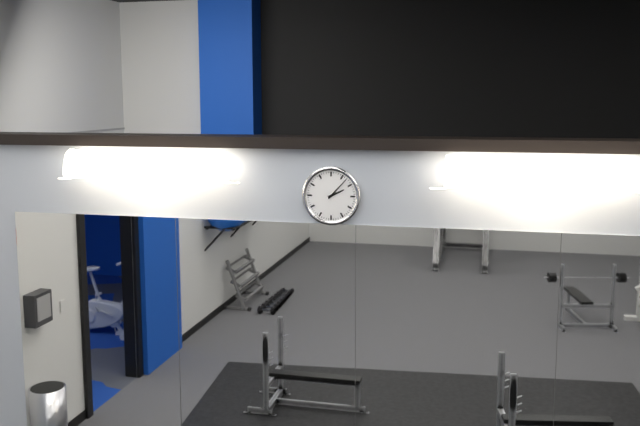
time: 2:07
